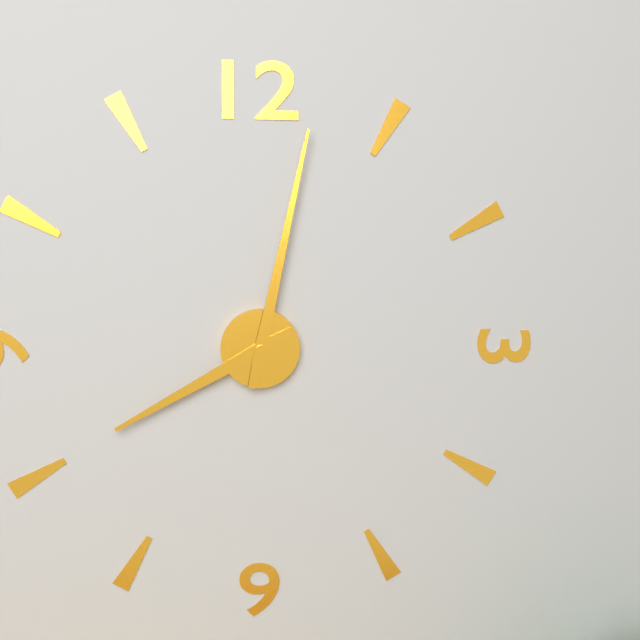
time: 8:02
